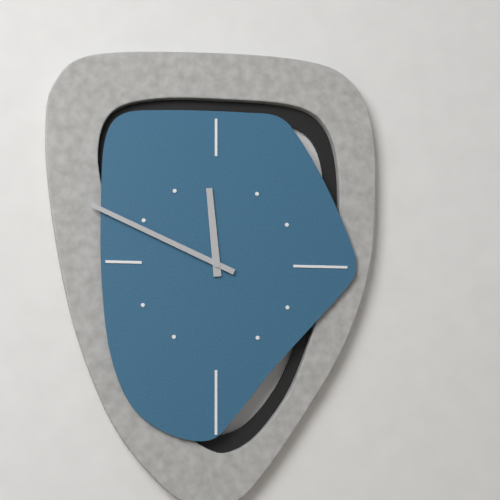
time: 11:49
